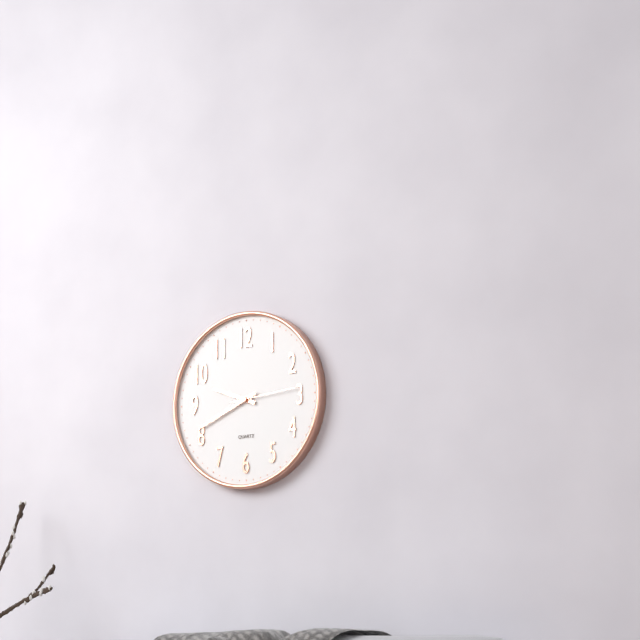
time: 9:41:14
